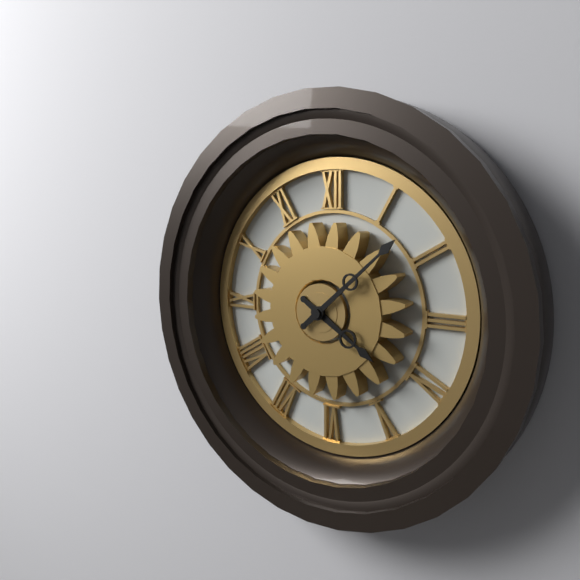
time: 4:08
